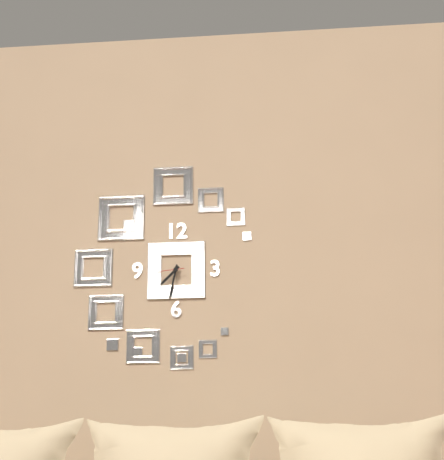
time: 7:32
